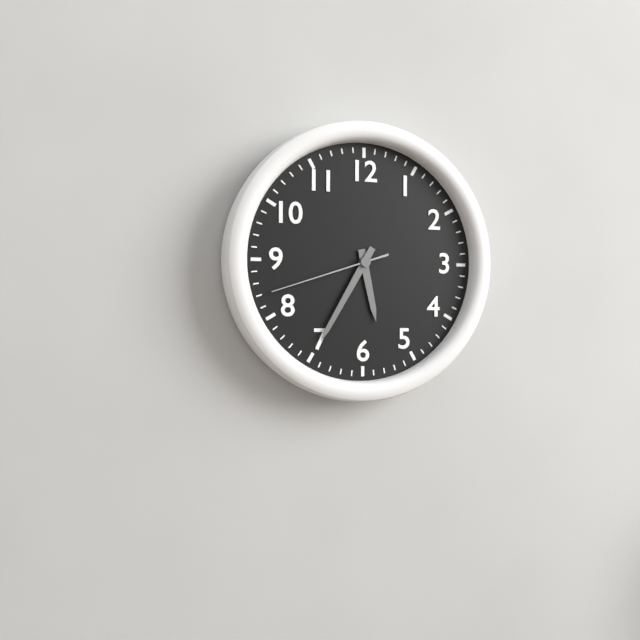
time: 5:35:42
